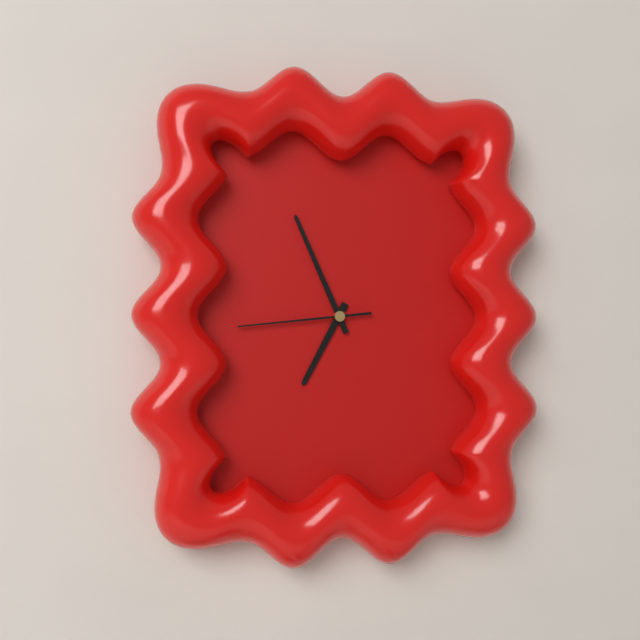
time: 6:56:44
